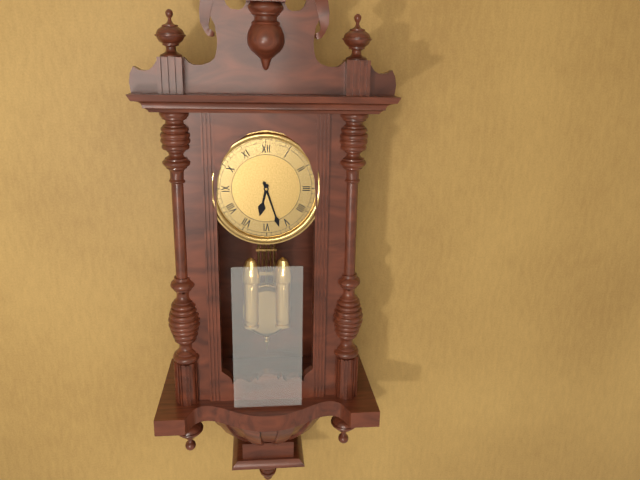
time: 6:27
